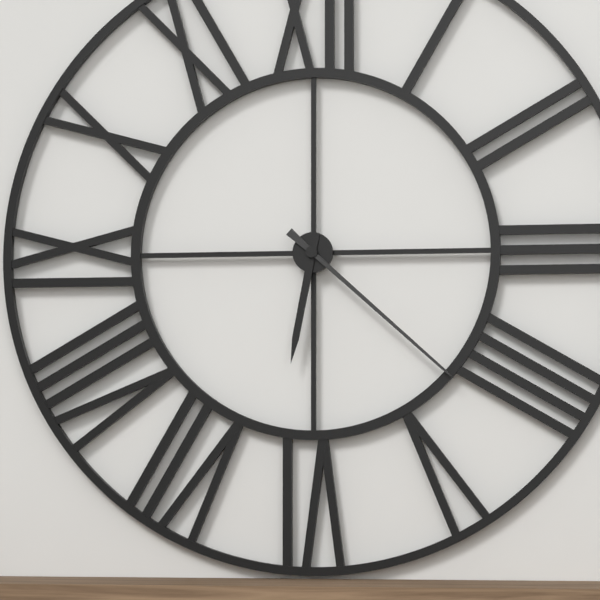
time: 6:22
